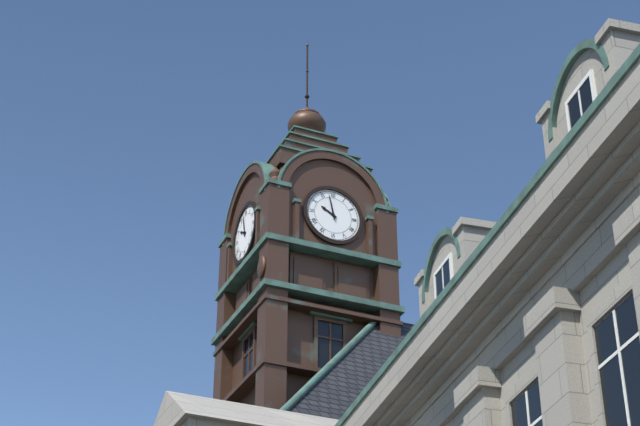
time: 9:58
